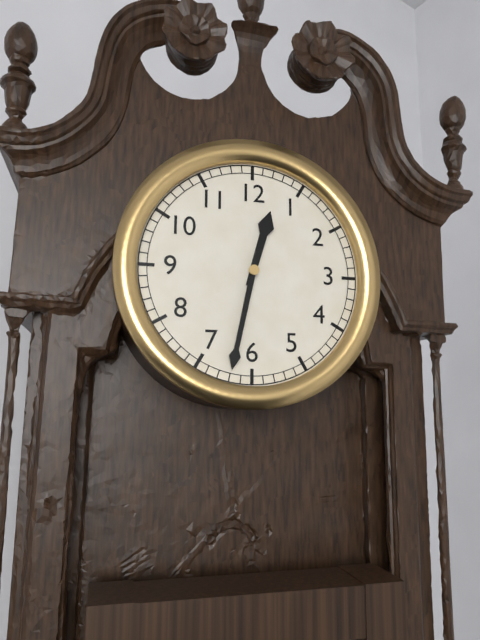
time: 12:32
